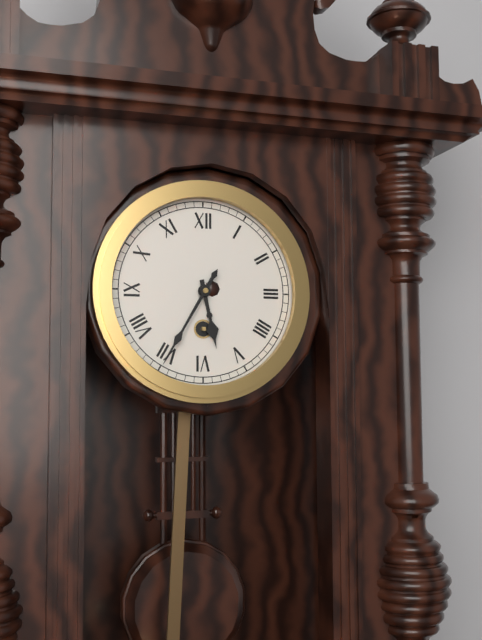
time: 5:35
